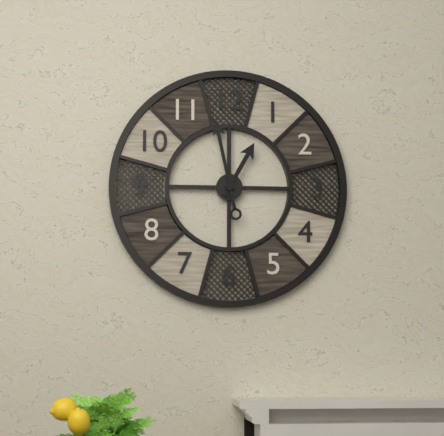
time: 12:58
